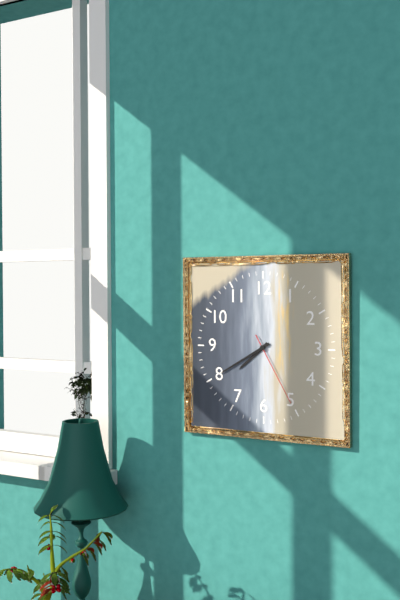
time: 7:40:25
